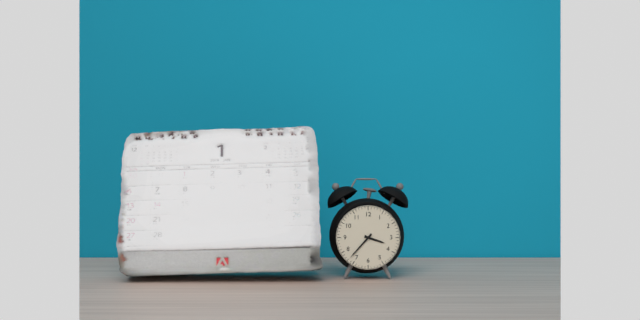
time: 3:37
